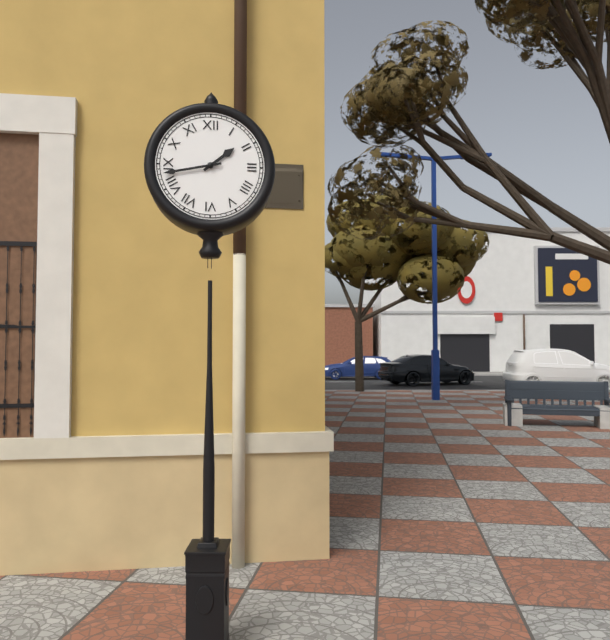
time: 1:43
